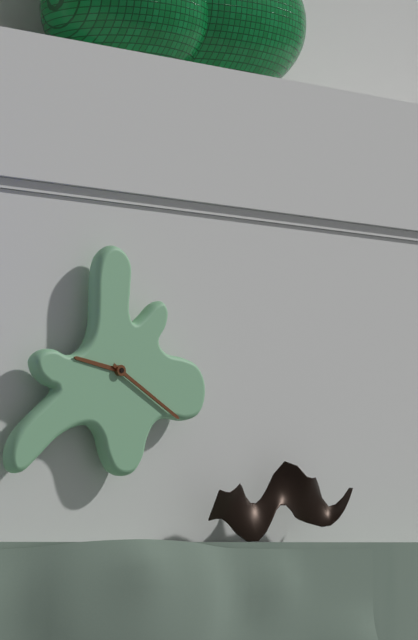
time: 9:20
